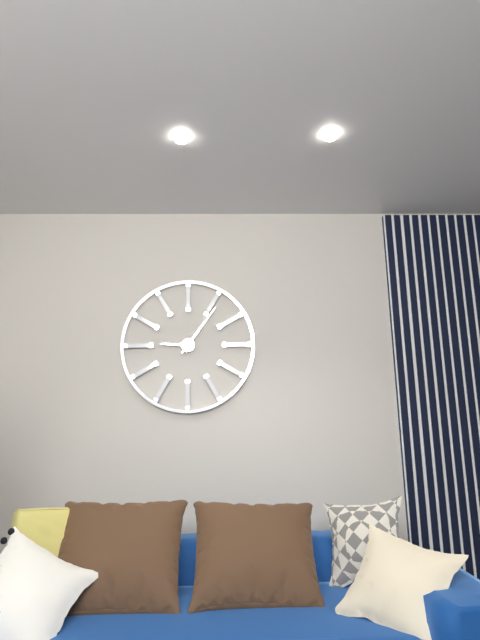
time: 9:06
